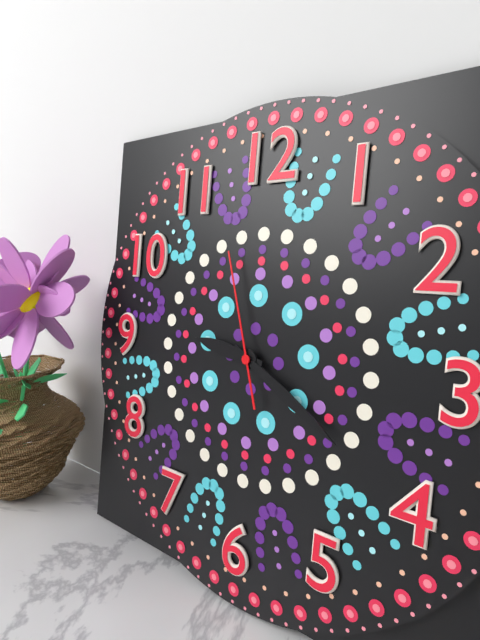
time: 9:20:57
